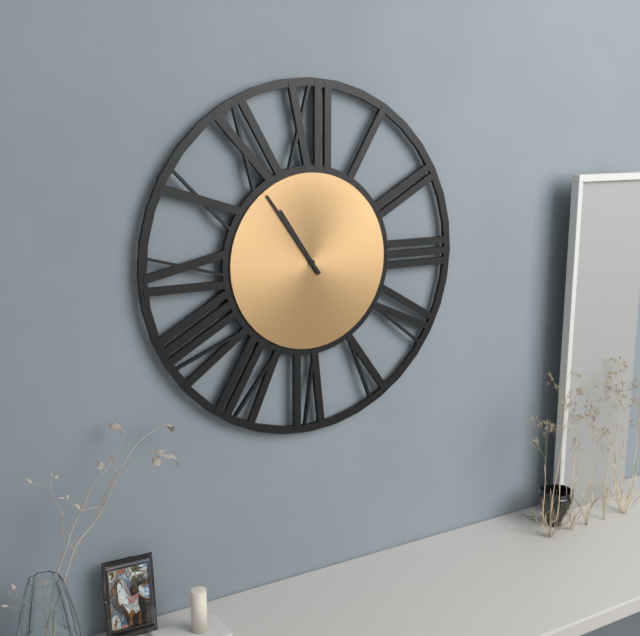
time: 10:54
